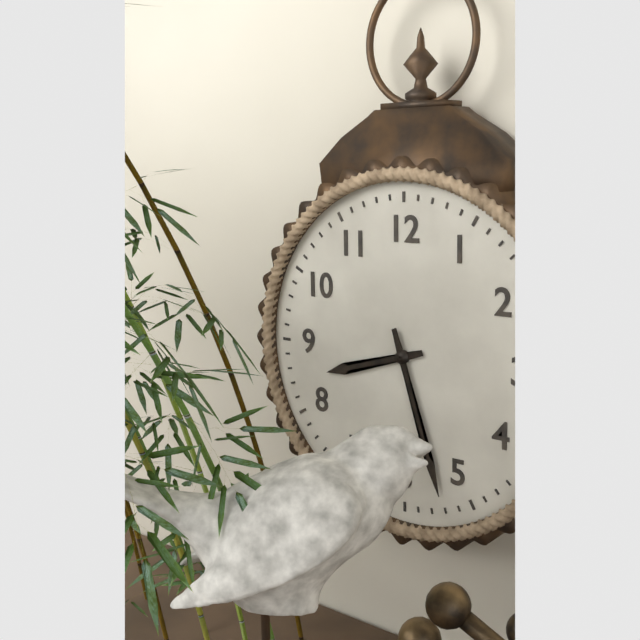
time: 8:27
